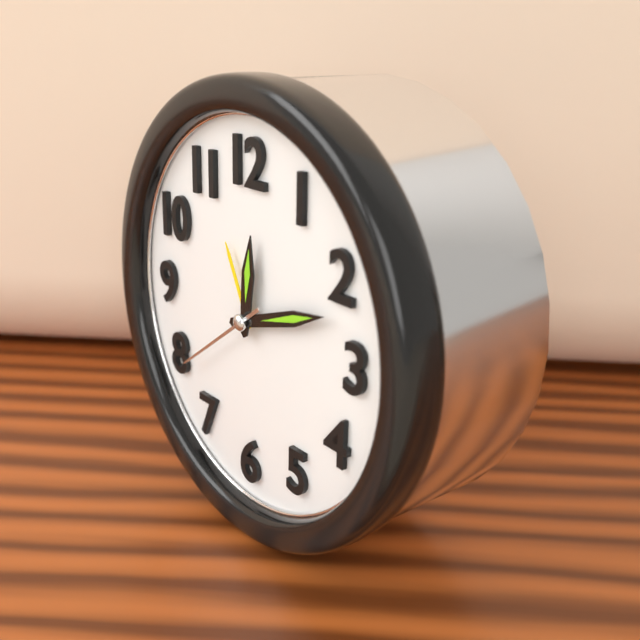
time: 12:12:39
